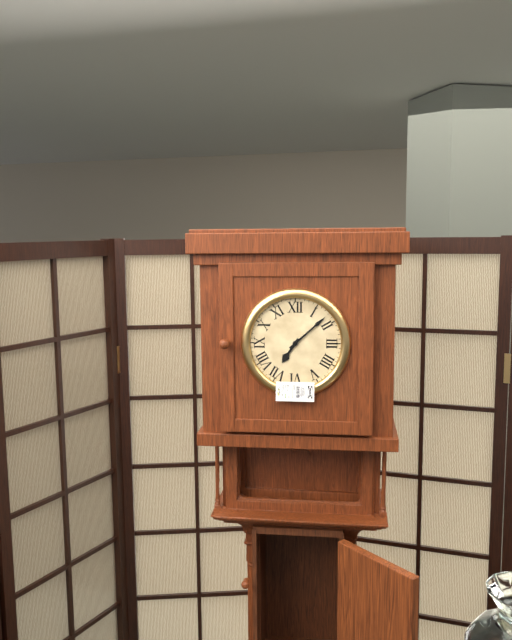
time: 7:08
